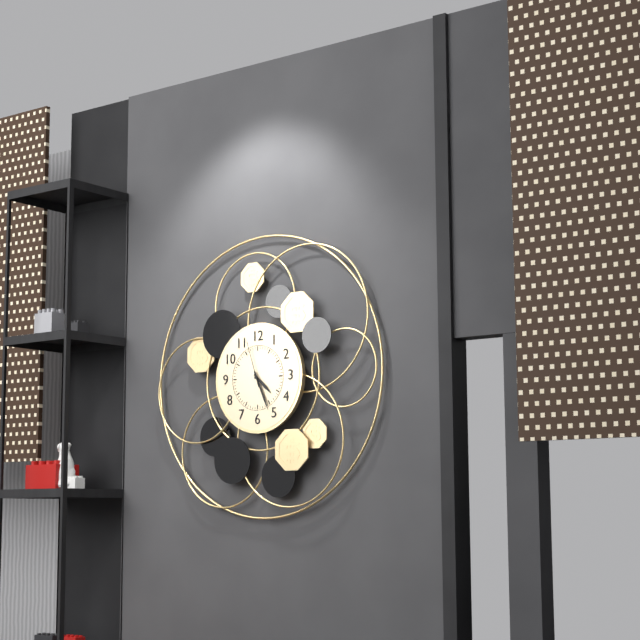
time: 4:26
